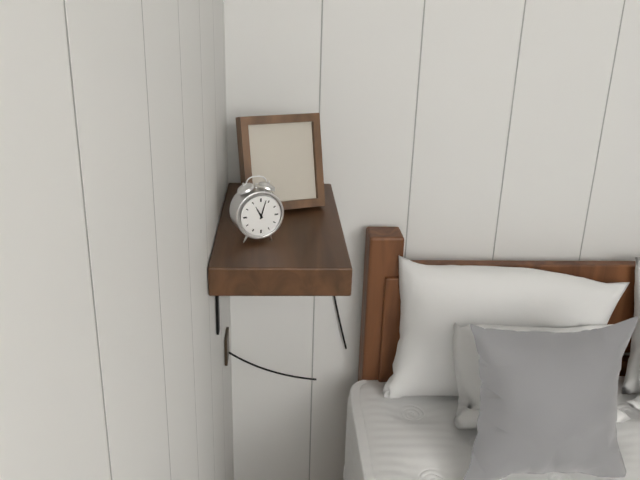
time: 11:03
